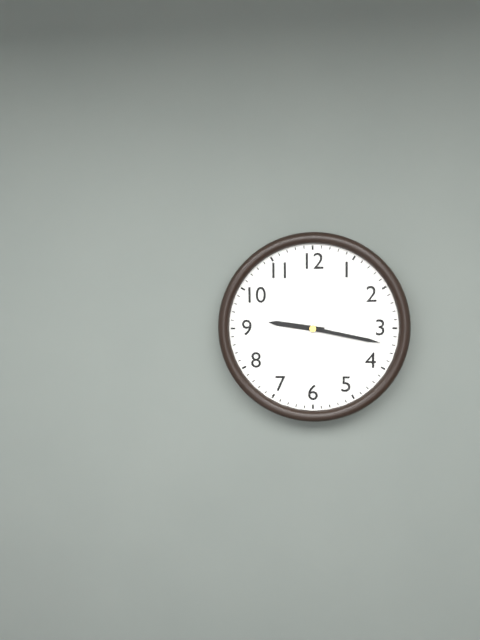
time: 9:17
